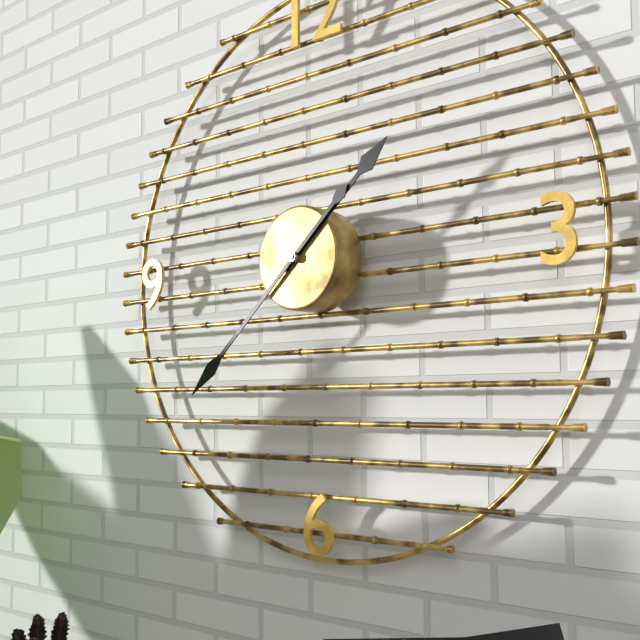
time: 1:38
